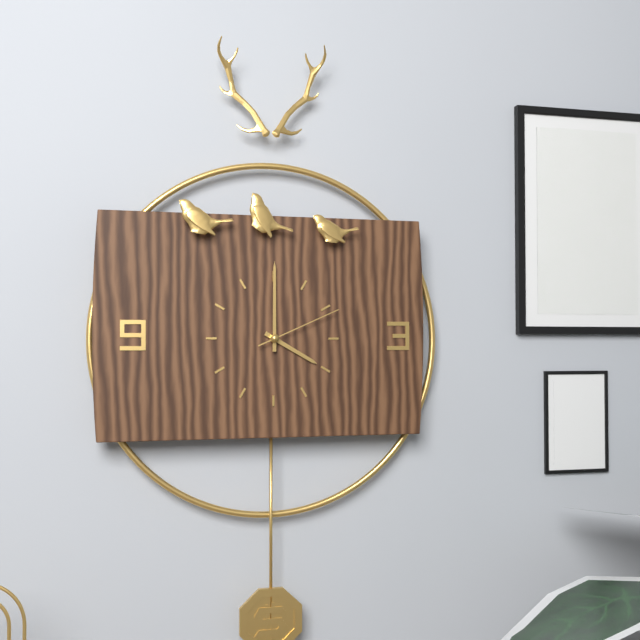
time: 4:00:11
